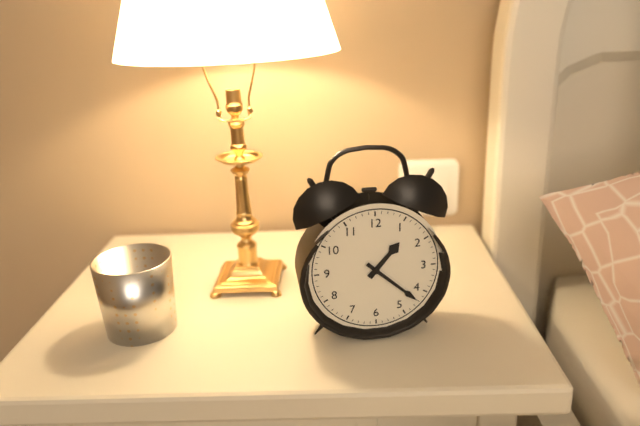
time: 1:22
